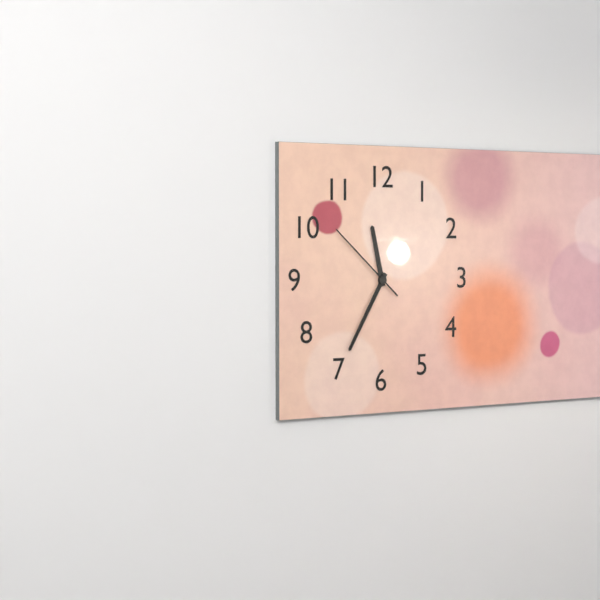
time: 11:35:52
